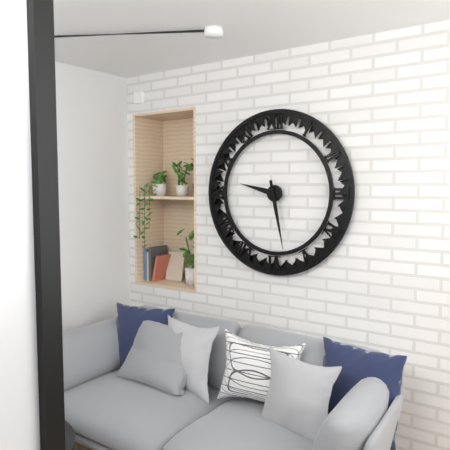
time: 9:28
